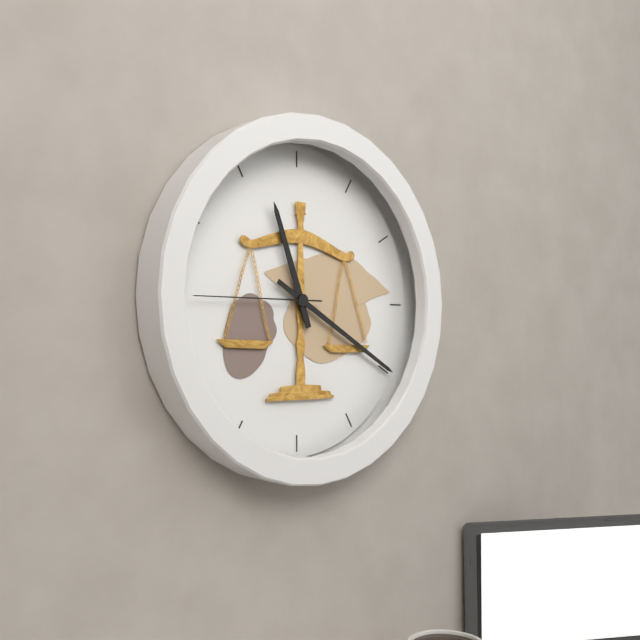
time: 11:20:45
